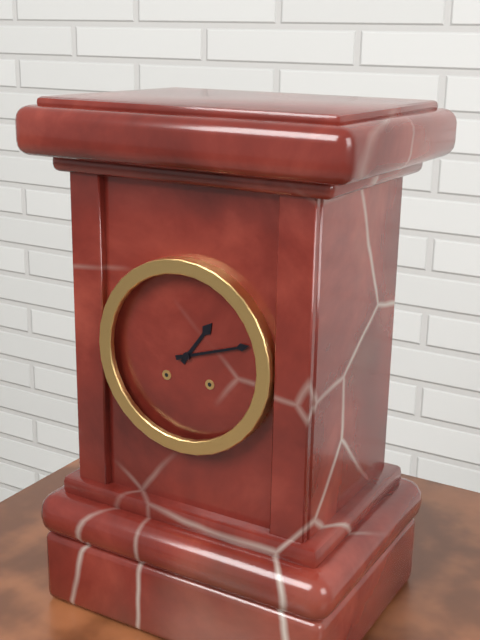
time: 1:12
